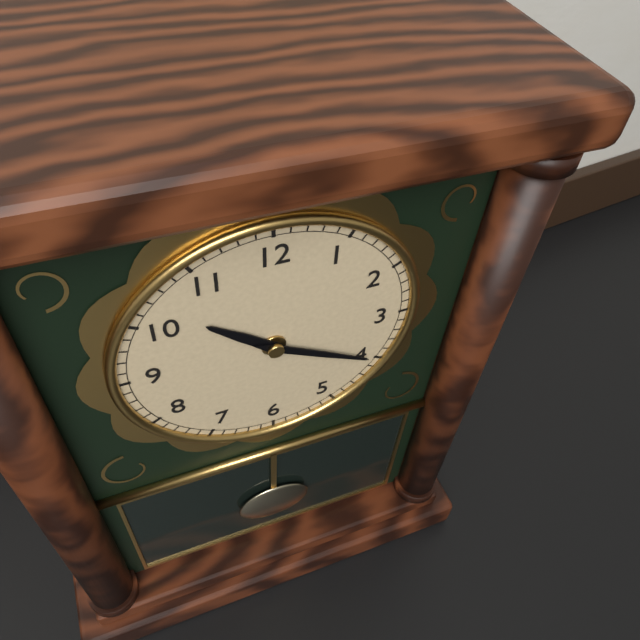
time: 10:20
